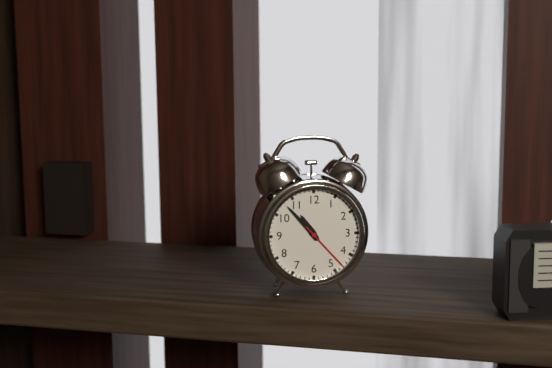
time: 10:53:23
